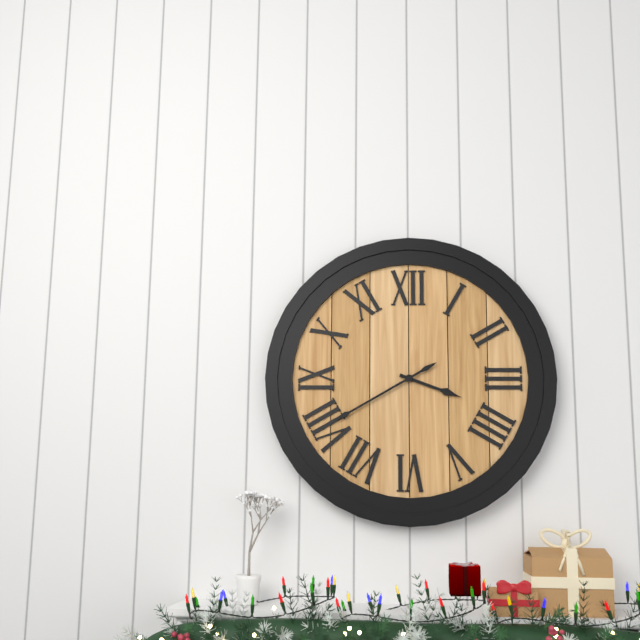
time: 3:40
